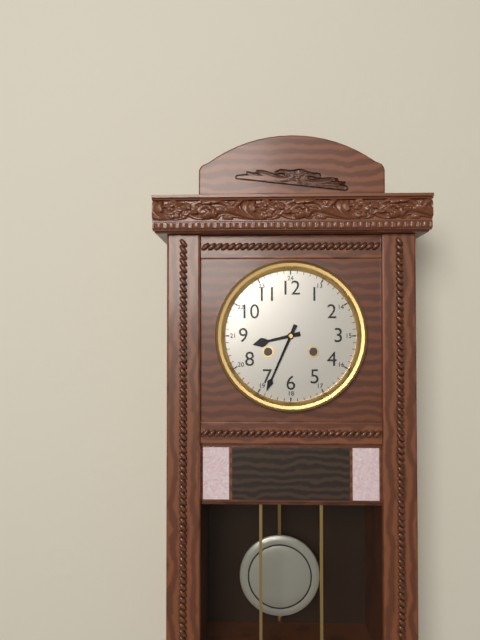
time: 8:34
